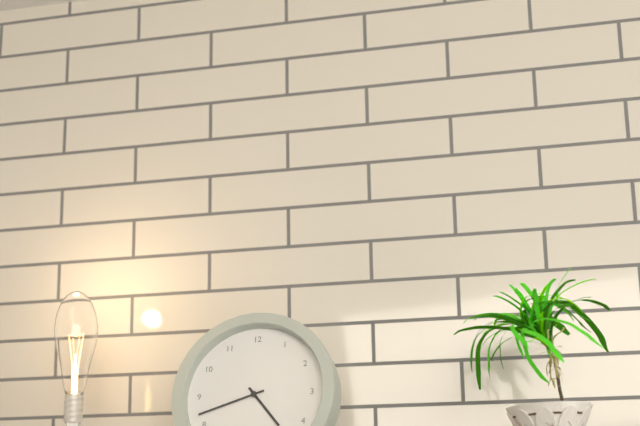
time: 4:42
